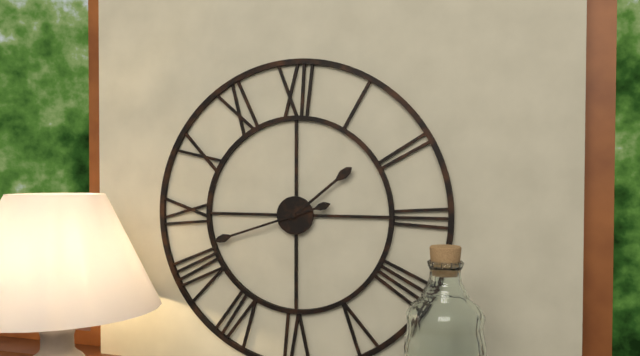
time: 1:42
